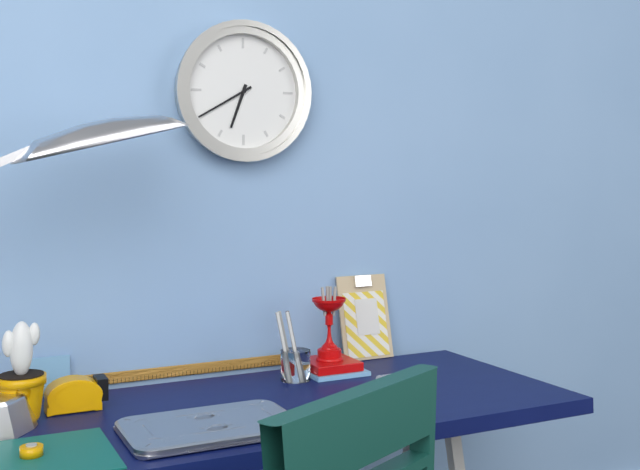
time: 6:40
